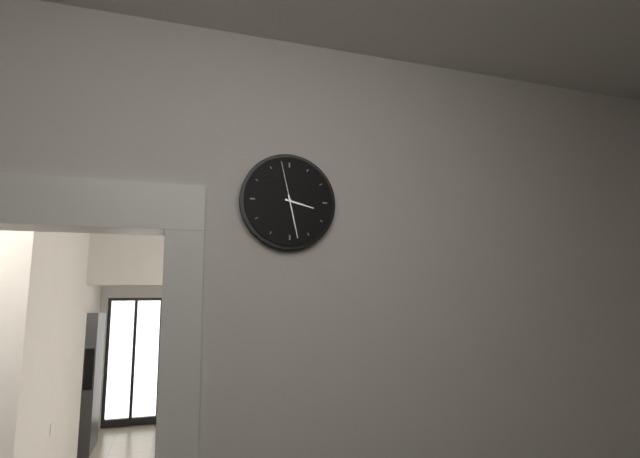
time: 3:28:58
